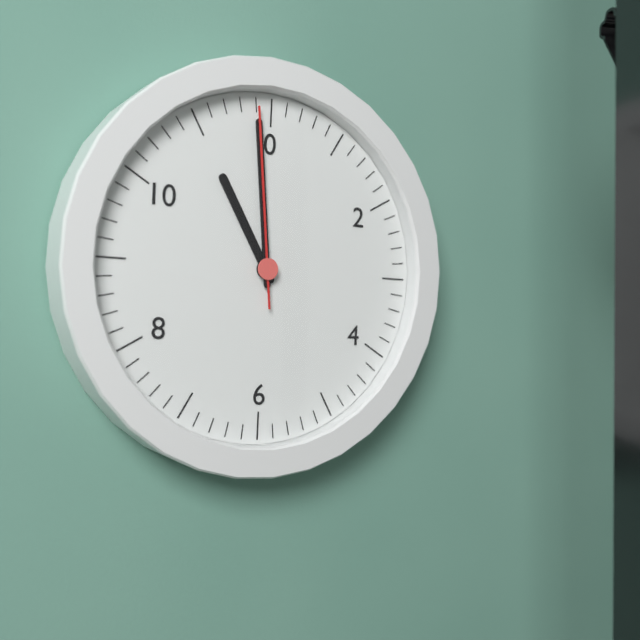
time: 10:59:59
